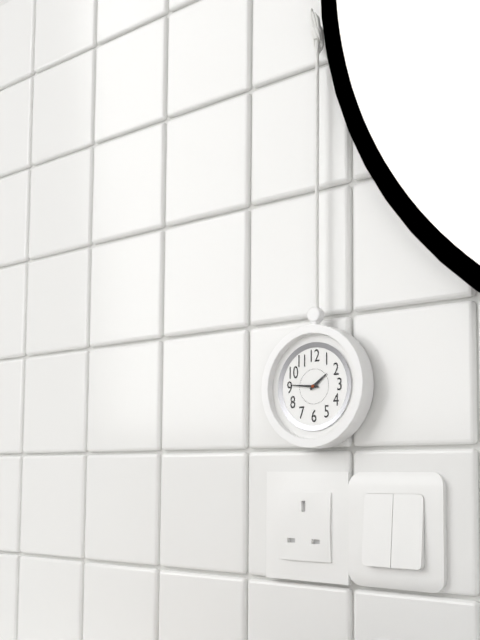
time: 1:46
